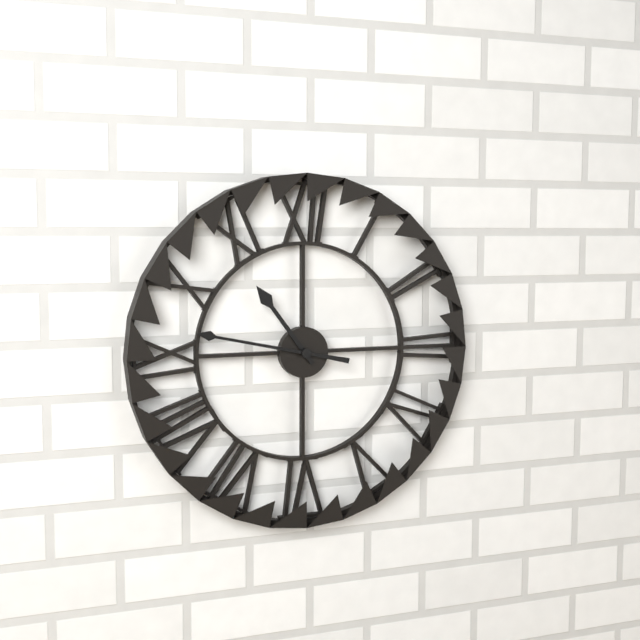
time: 10:47
